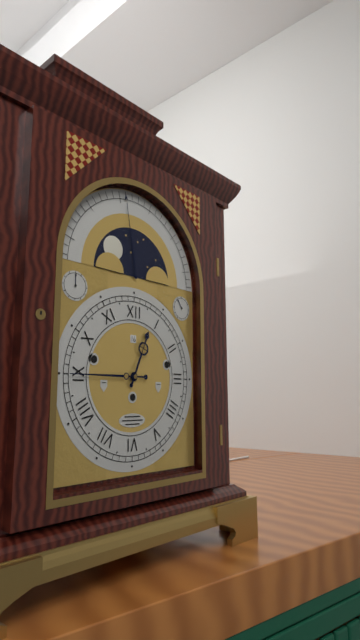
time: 12:45
